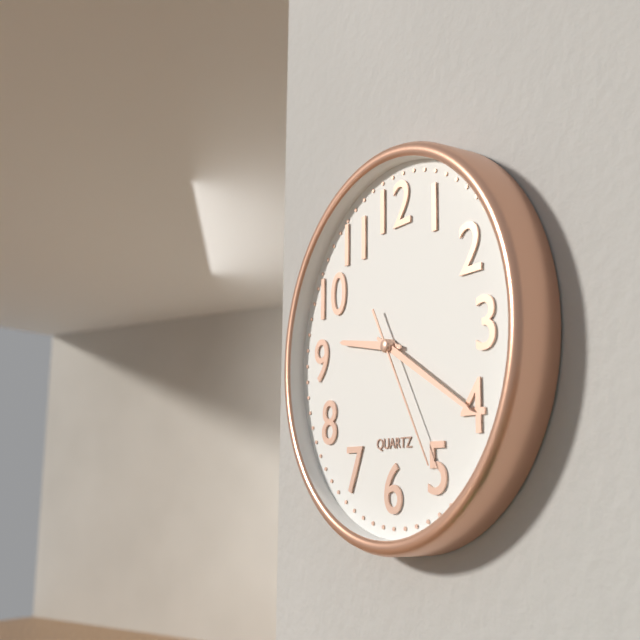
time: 9:20:25
